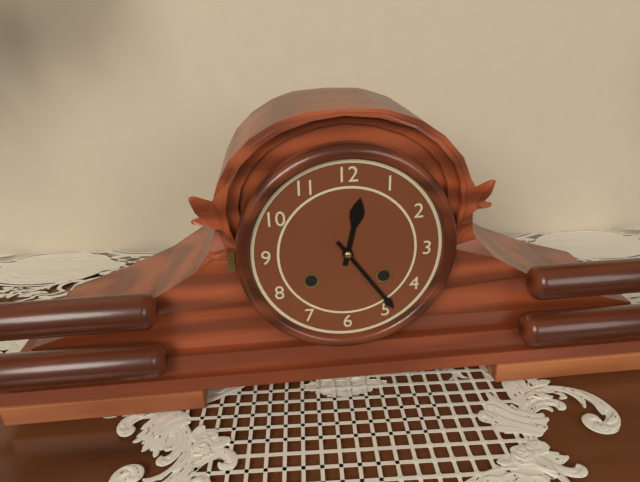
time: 12:24
